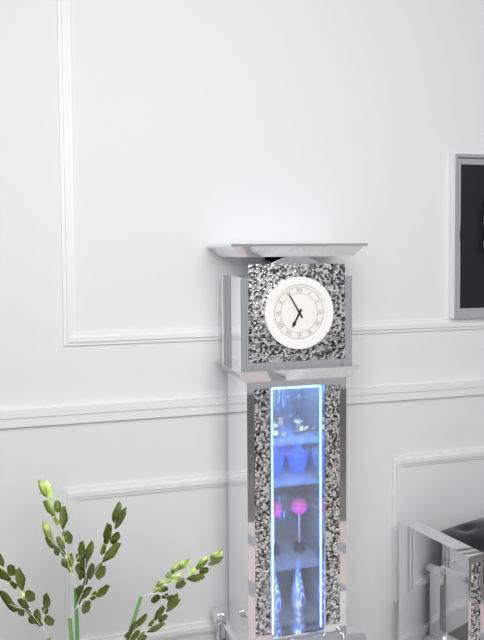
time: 6:55
